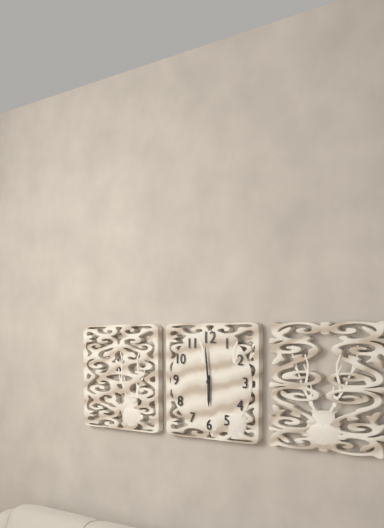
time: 5:59
